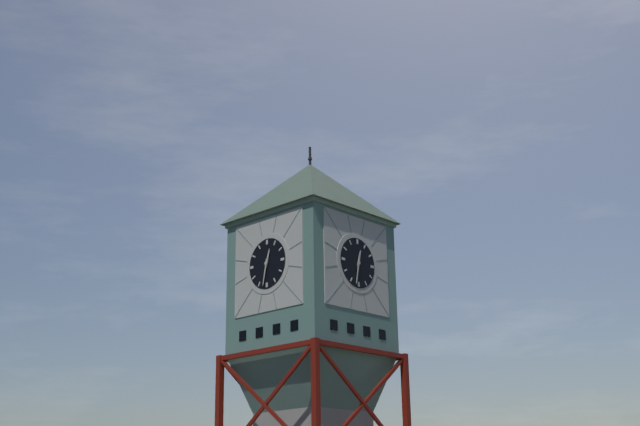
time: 12:32
